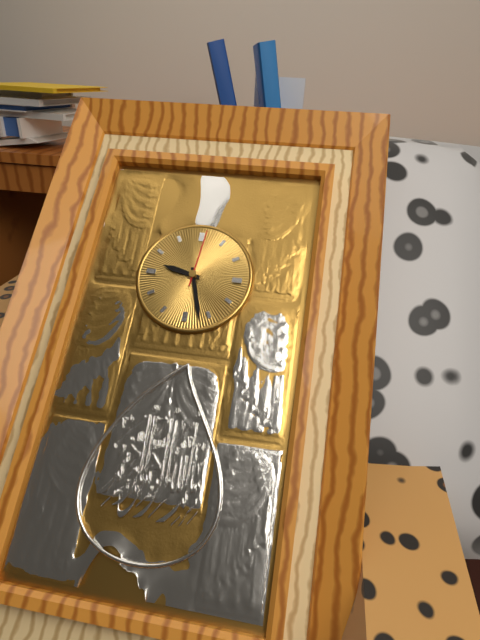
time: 9:27:01
